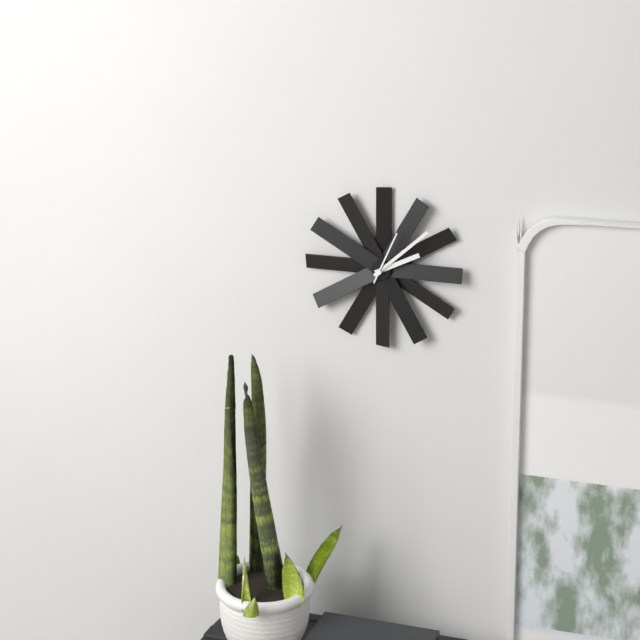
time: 2:08:04
